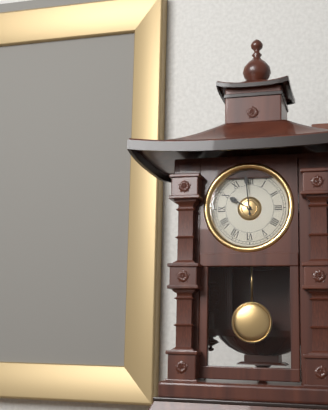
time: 9:59
